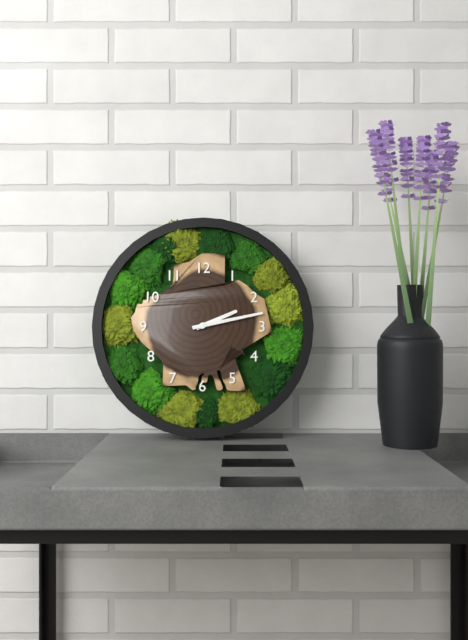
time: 2:13
